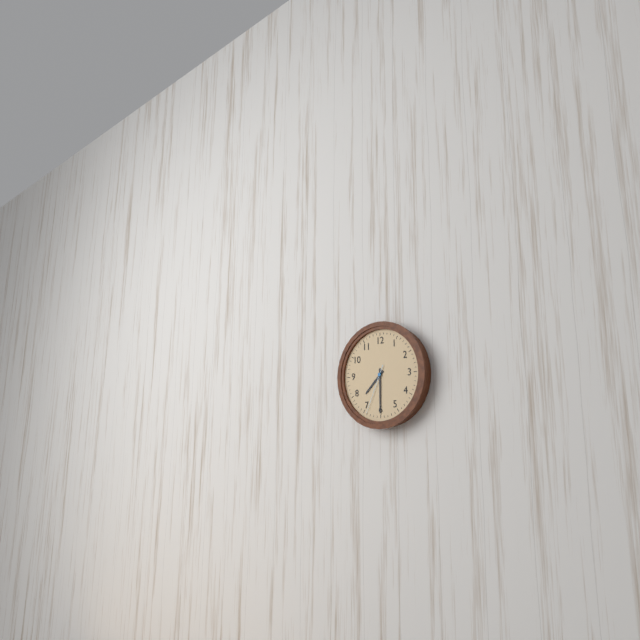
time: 7:30:34
